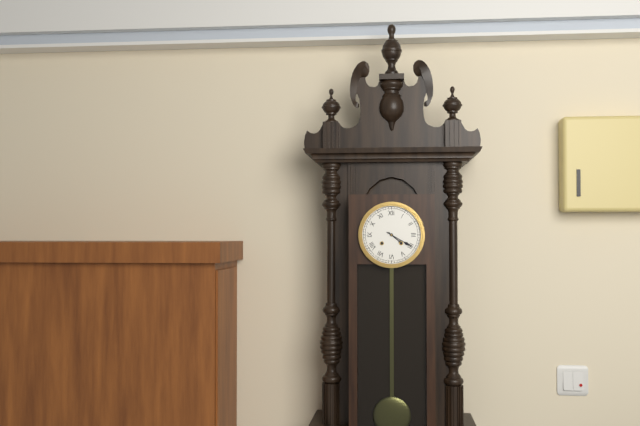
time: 4:20
